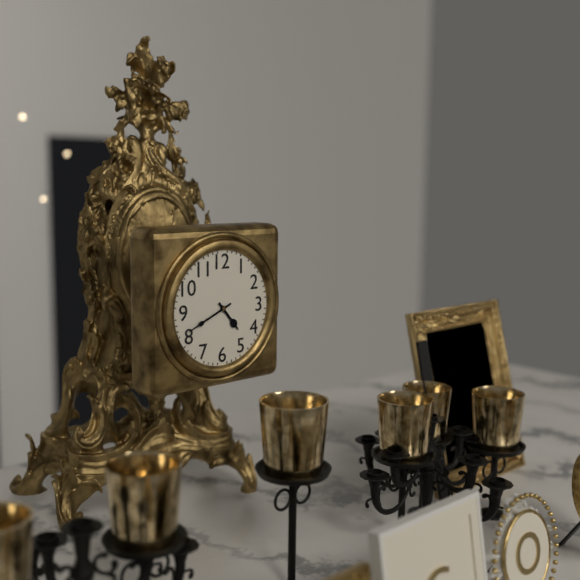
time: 4:41
